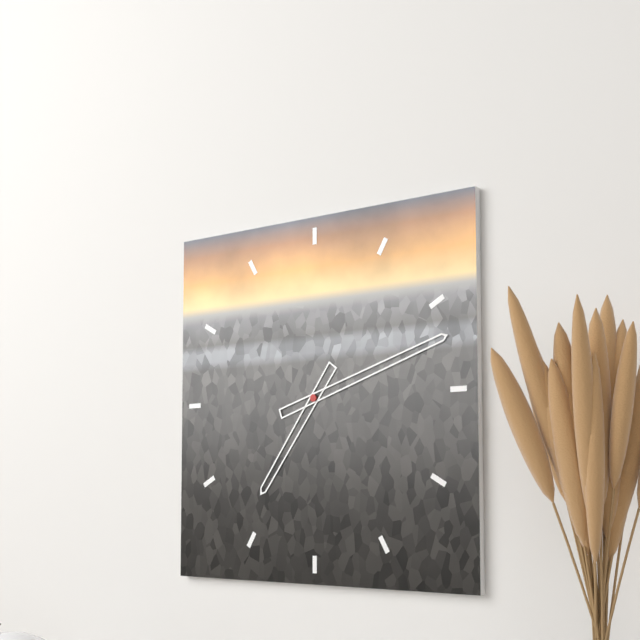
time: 7:12
